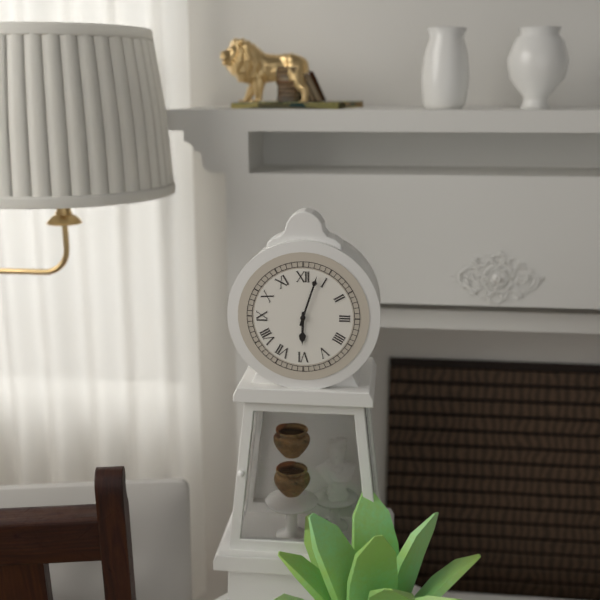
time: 6:03
